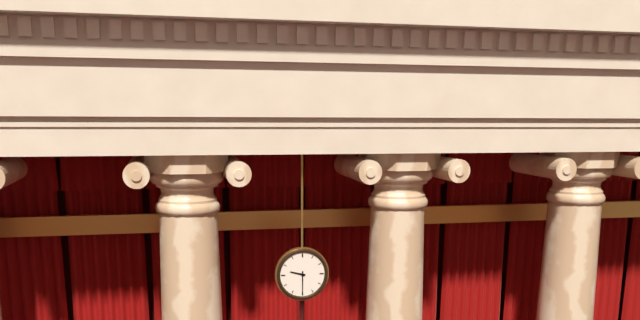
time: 9:30
